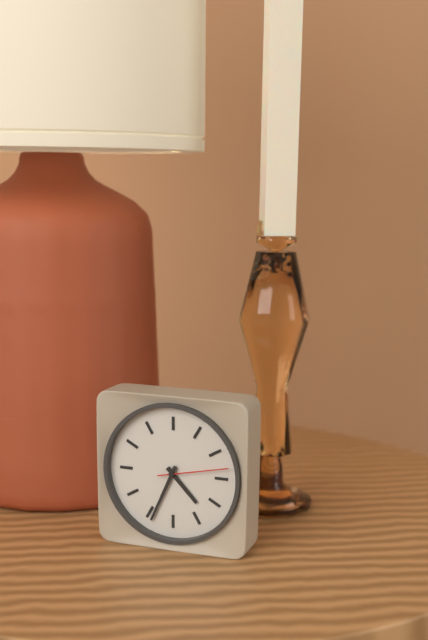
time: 4:34:13
